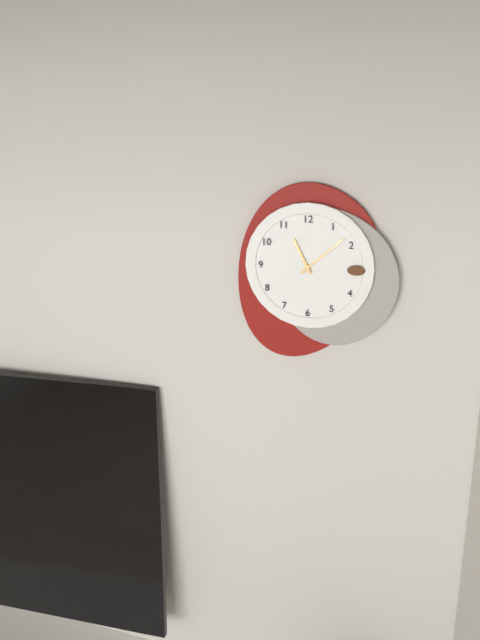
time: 11:08
